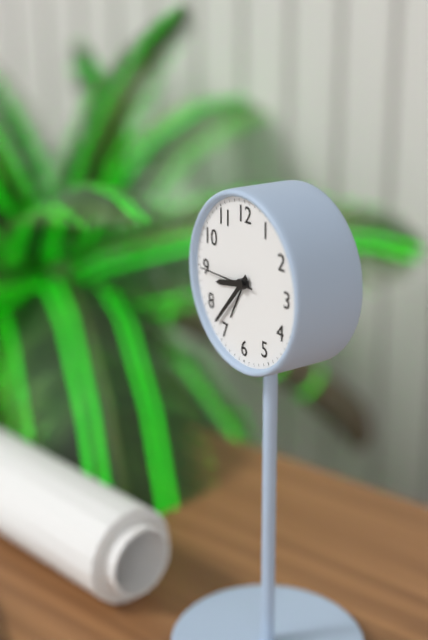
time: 8:37:45
